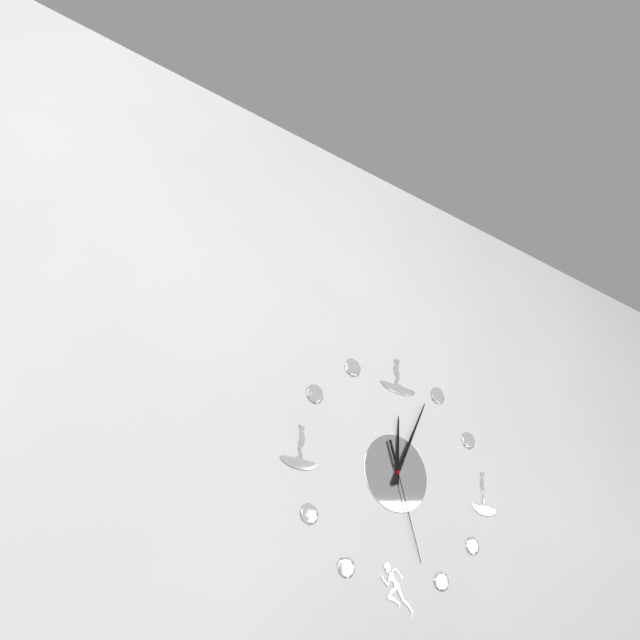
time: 12:04:27
